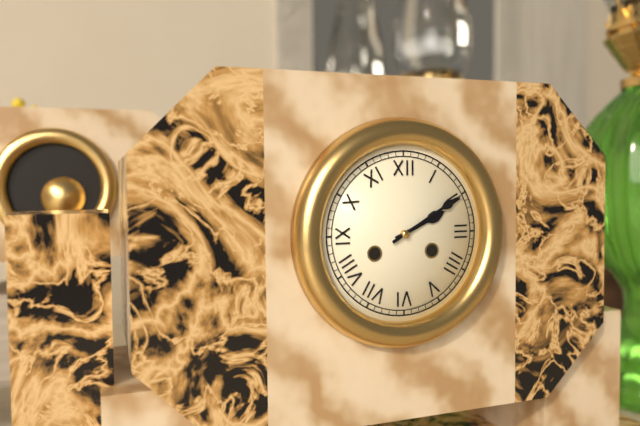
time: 2:10
